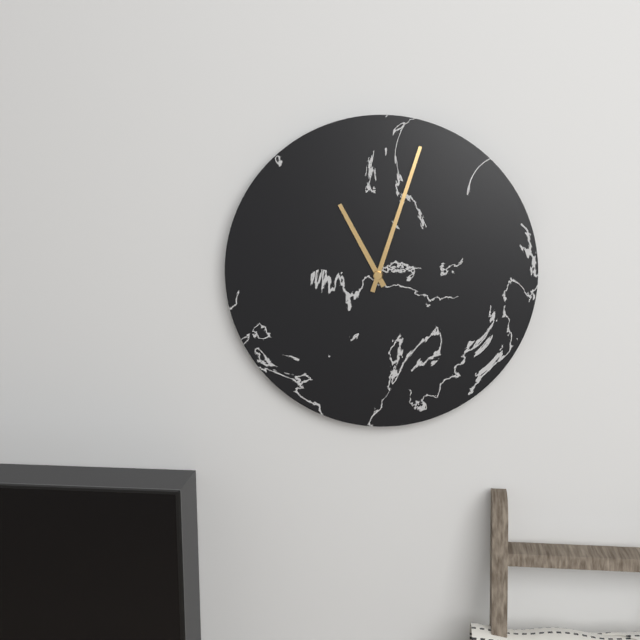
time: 11:03
